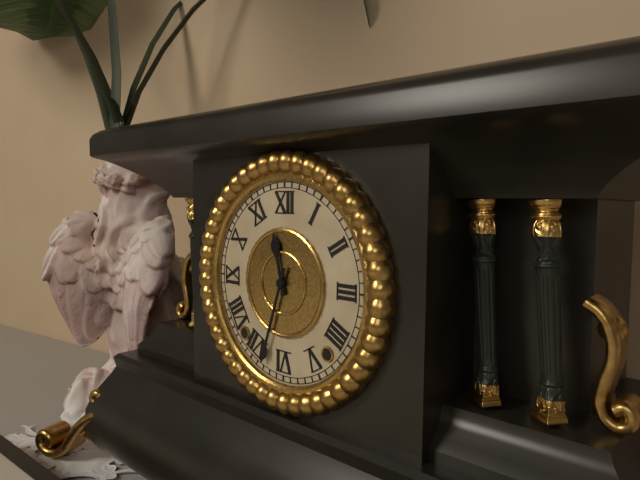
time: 11:33
